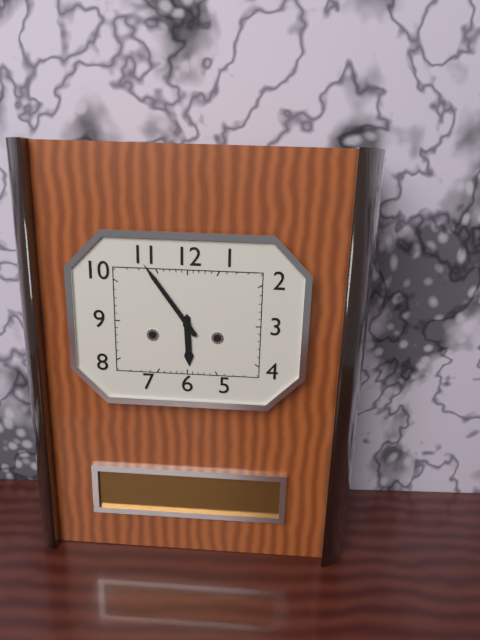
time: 5:54
